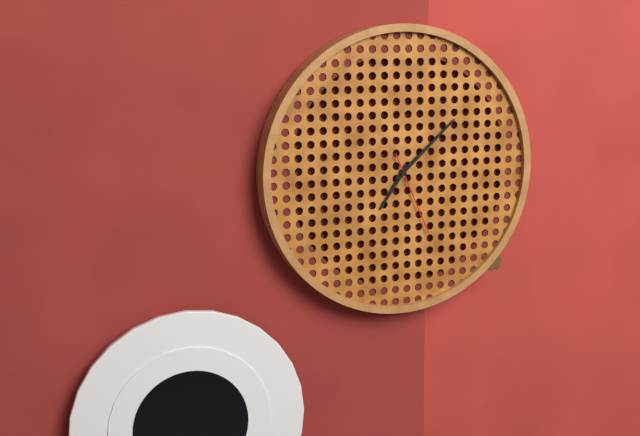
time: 7:08:26
